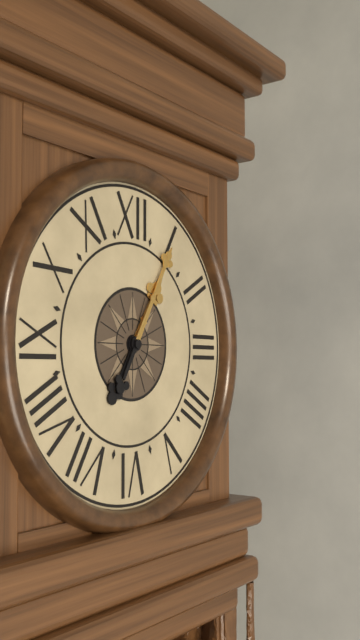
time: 1:05
